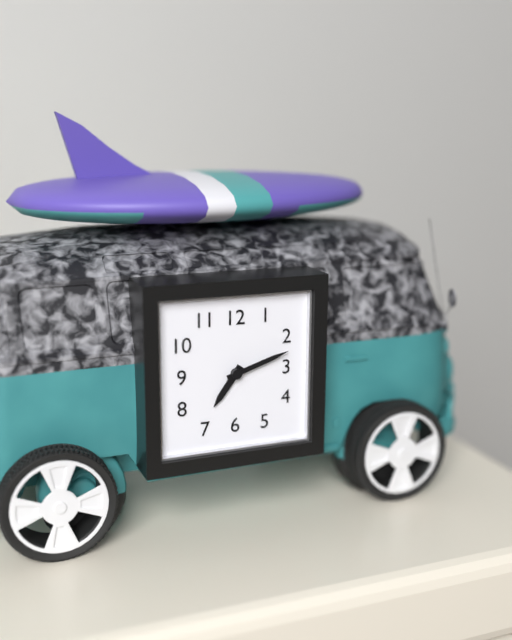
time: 7:12
